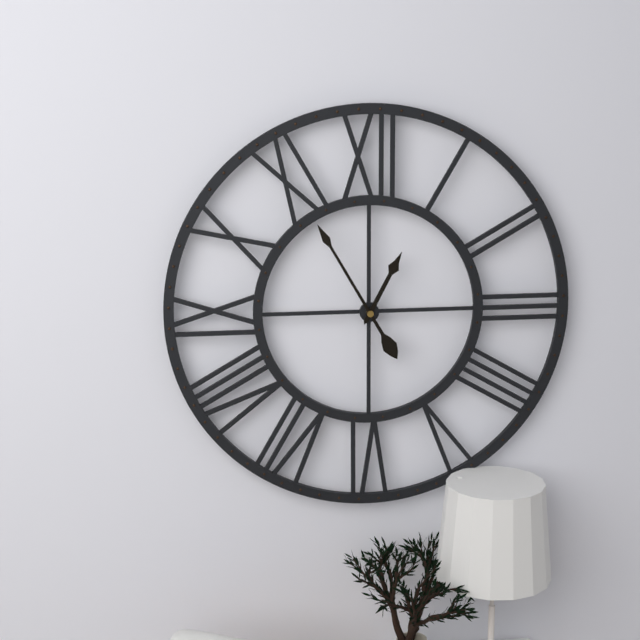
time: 12:55
